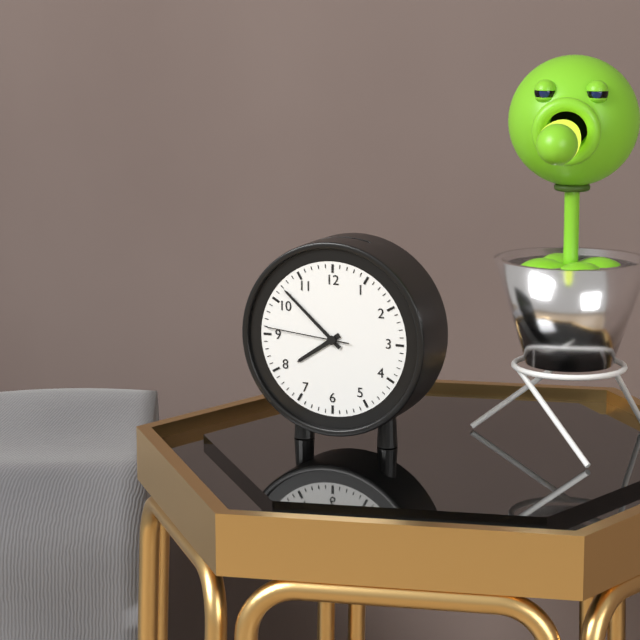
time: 7:52:46
